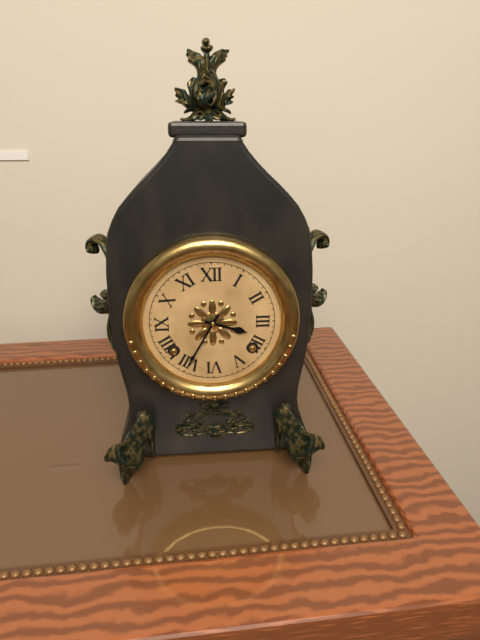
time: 3:35
